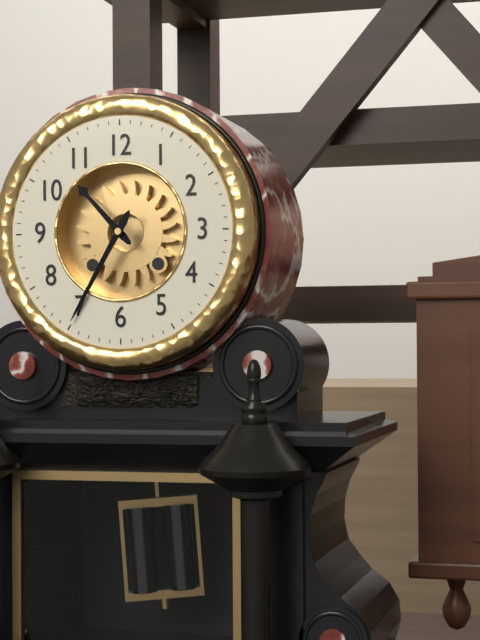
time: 10:35
